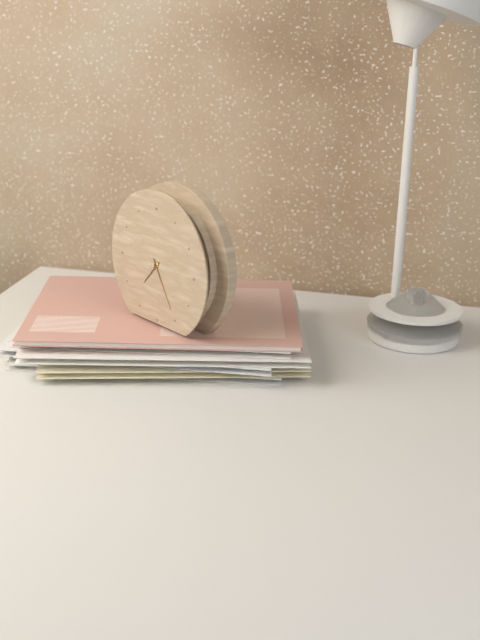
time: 7:25
